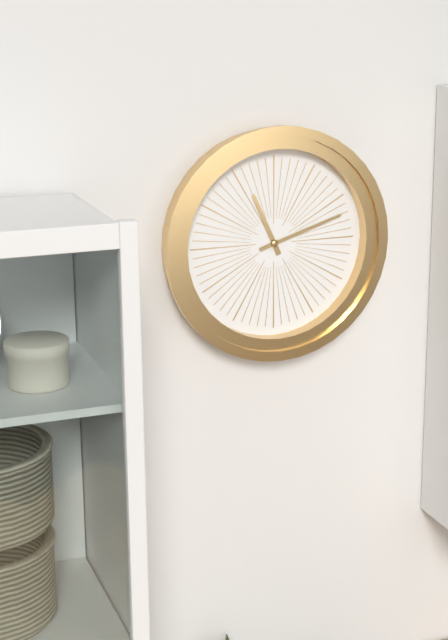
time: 11:12
